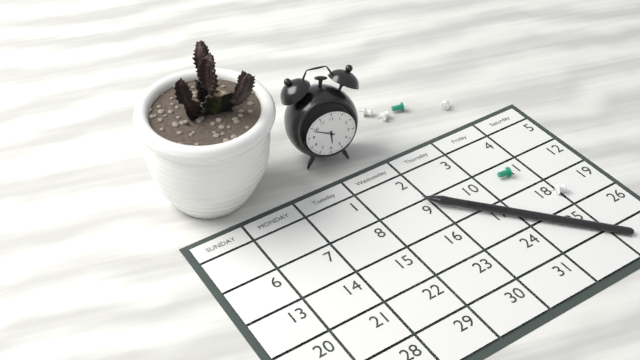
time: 5:49
